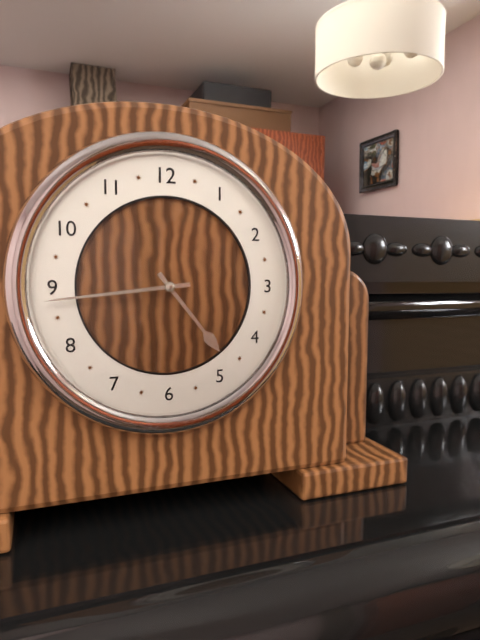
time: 4:44
